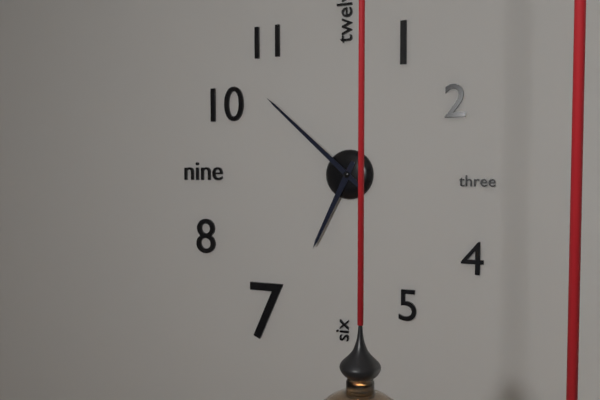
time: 6:52
